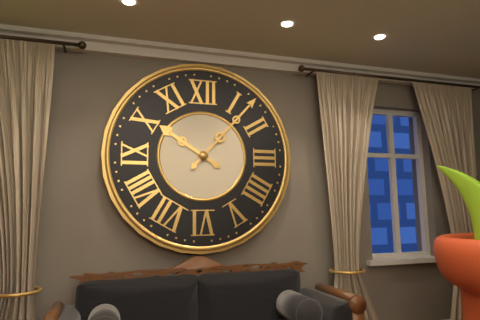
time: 10:07
